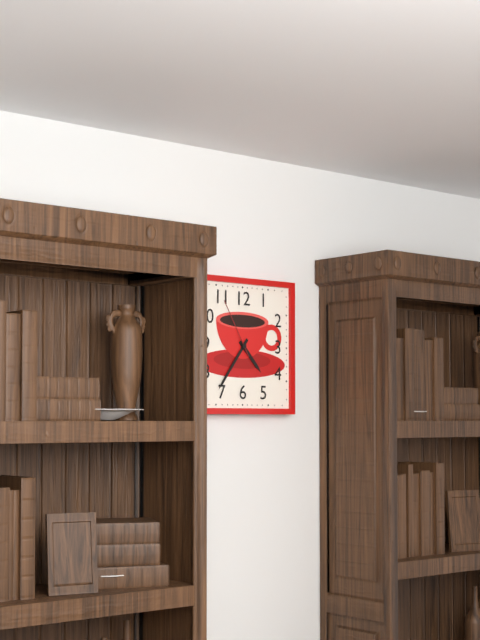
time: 4:36:55
